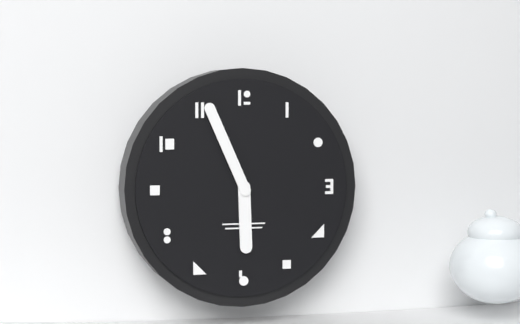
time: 5:56
